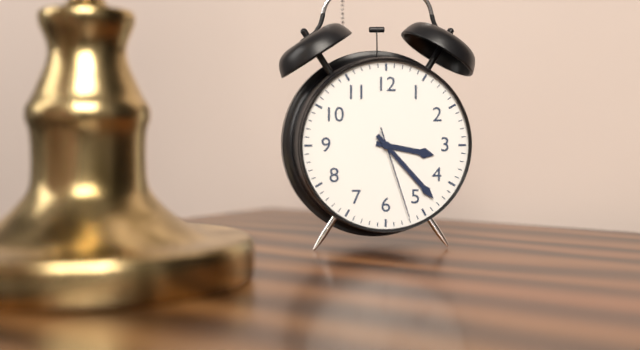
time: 3:23:27
